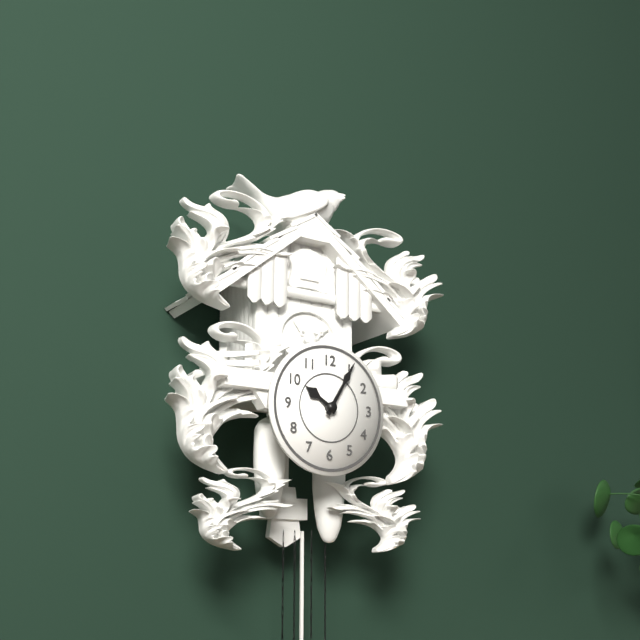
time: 10:05
